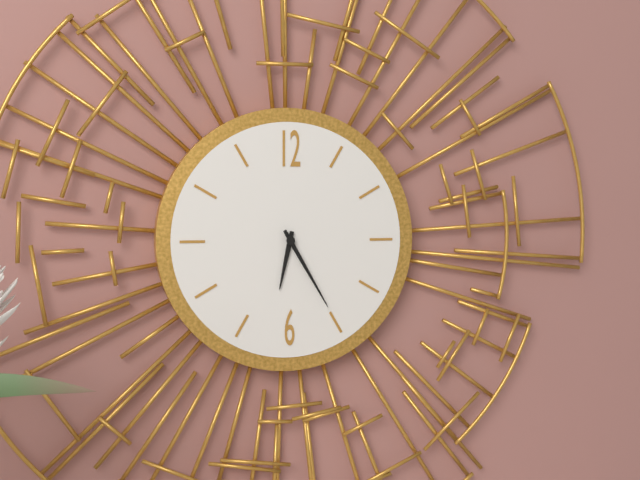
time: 6:25
